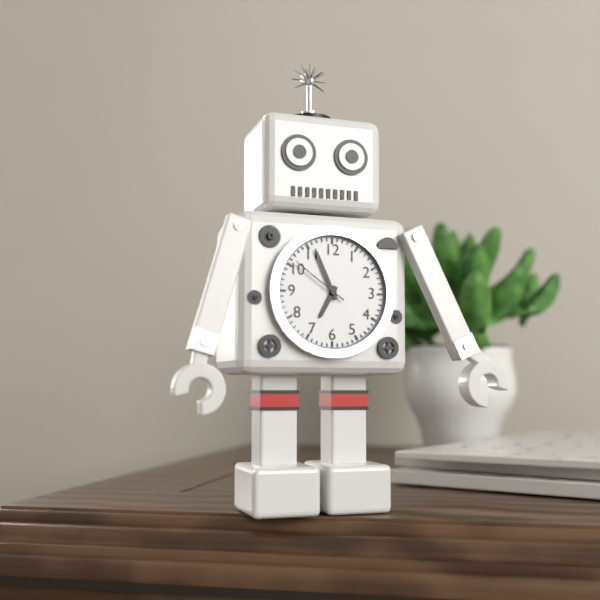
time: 6:56:51
